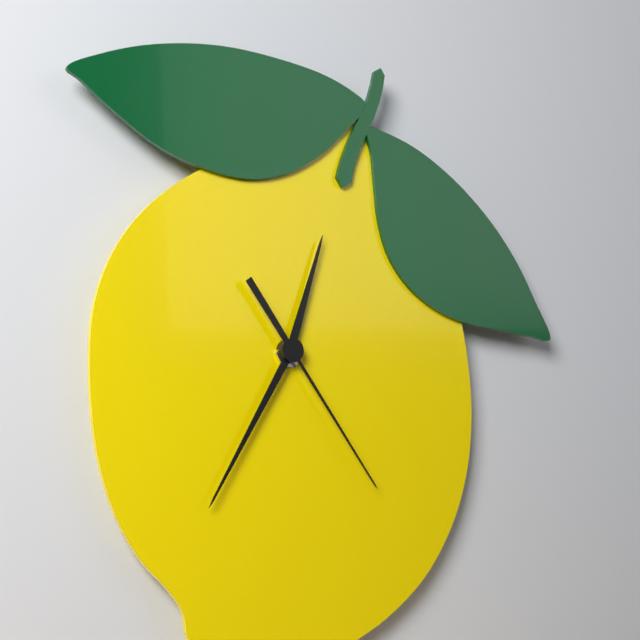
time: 12:35:24
